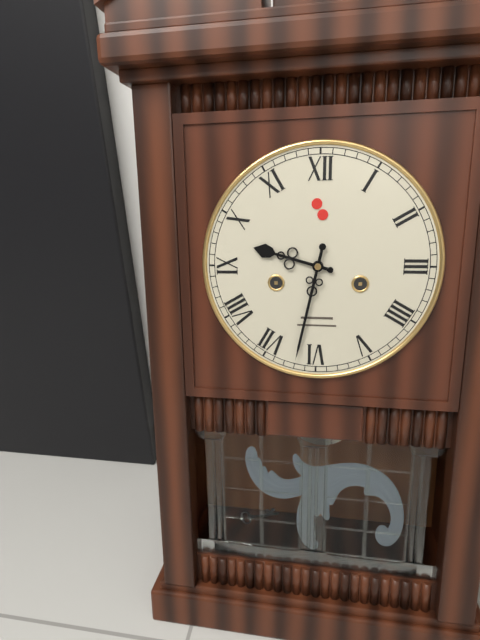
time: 9:32
